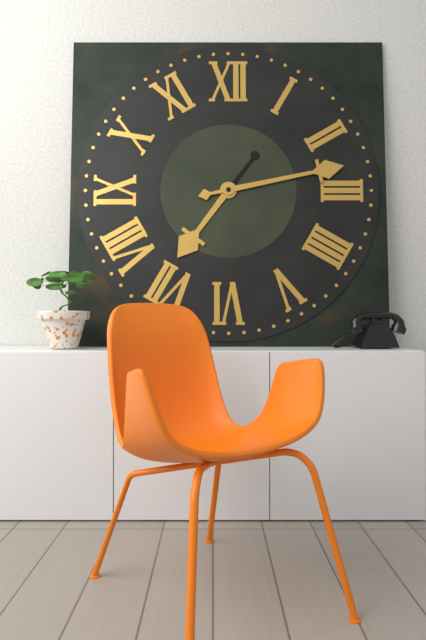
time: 7:13
